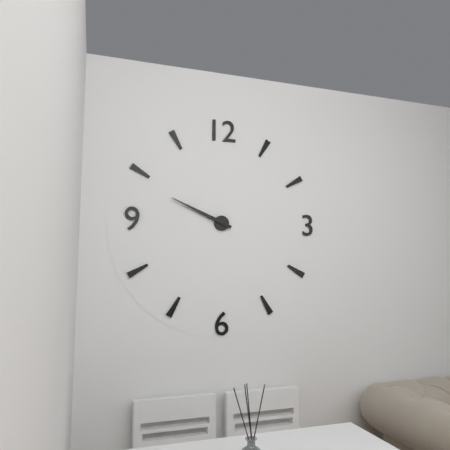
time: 9:49
